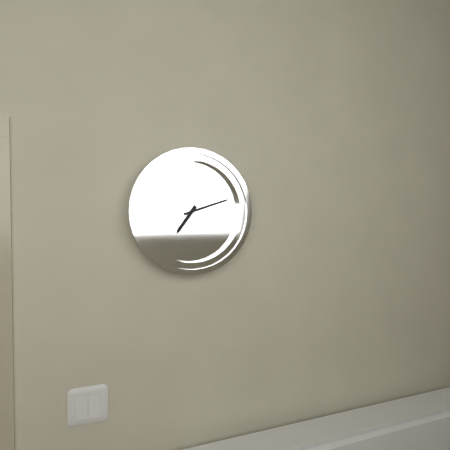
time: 7:12
